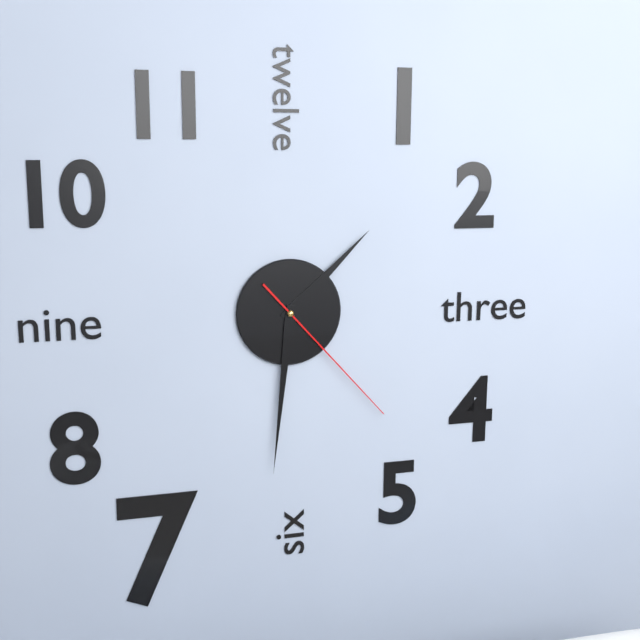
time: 1:31:23
